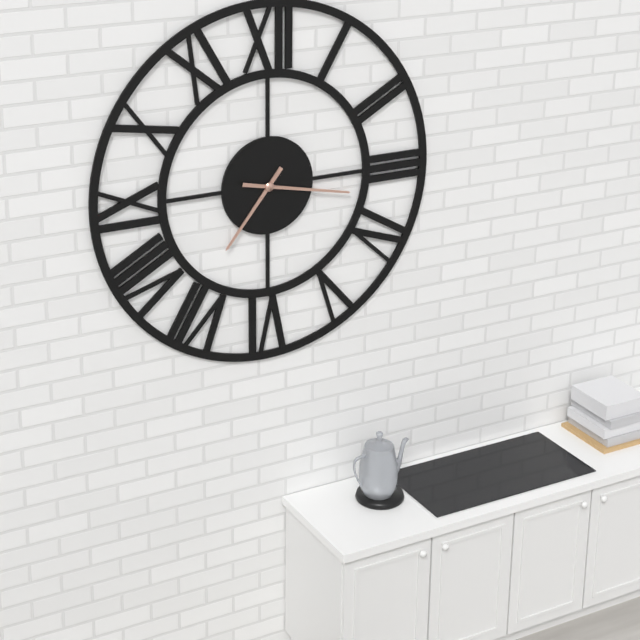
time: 7:17
